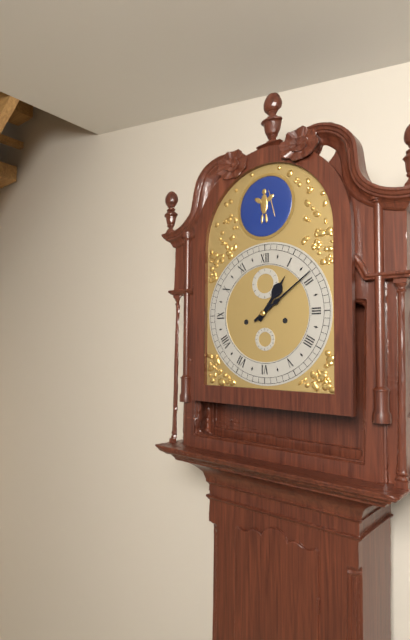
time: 1:09
